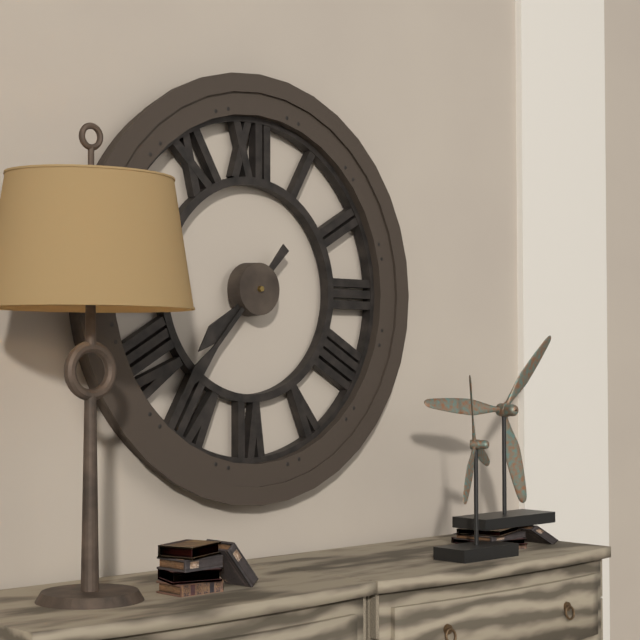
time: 7:37
